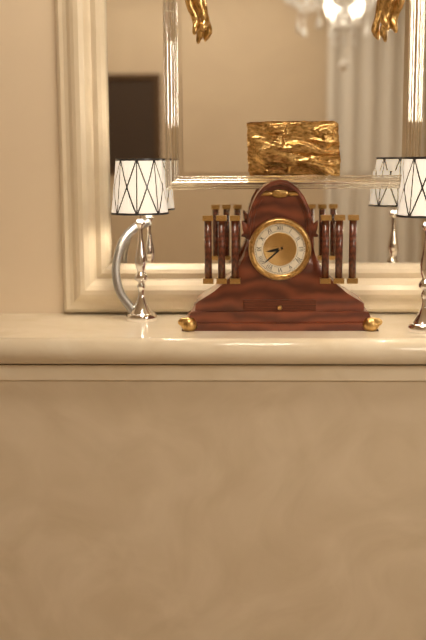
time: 8:38
